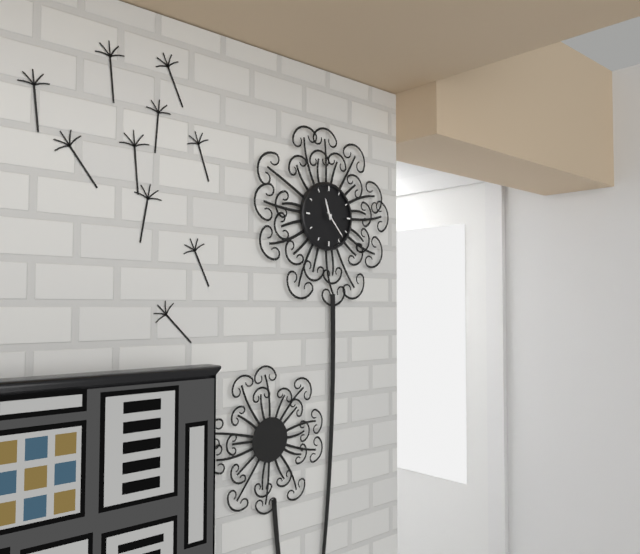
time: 11:23
